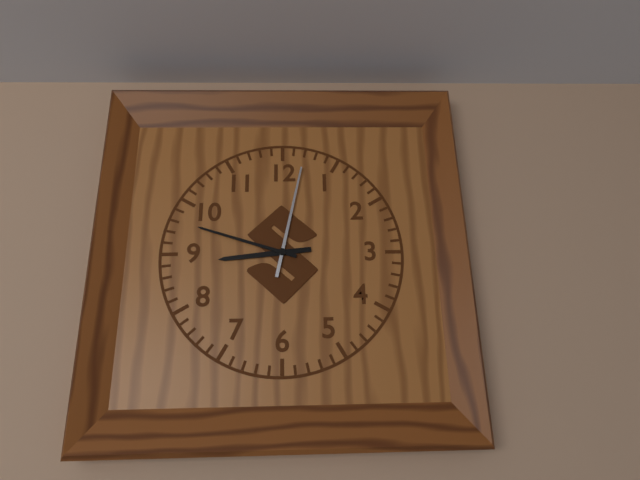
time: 8:48:02
